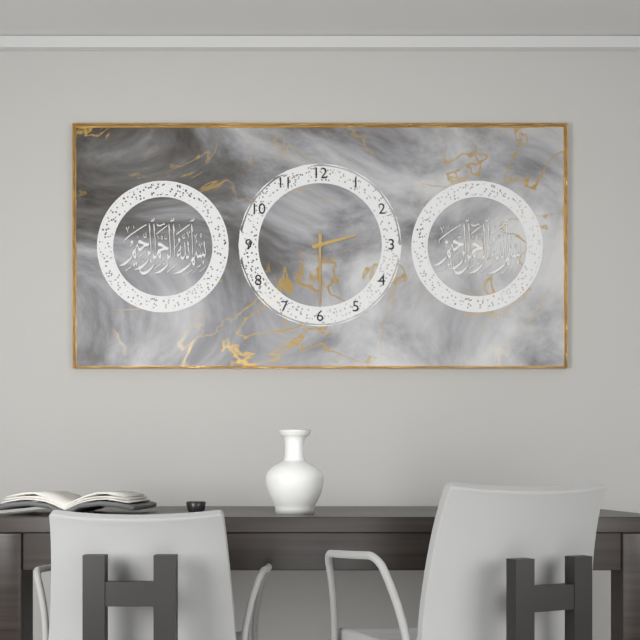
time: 2:30
